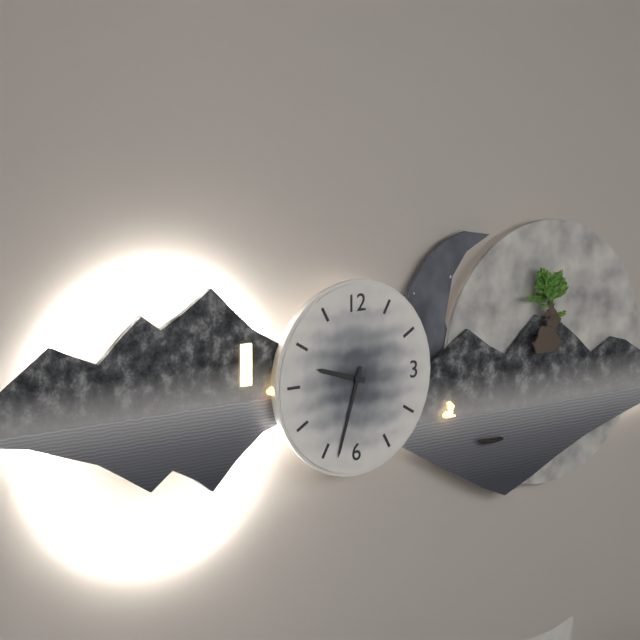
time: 9:33
